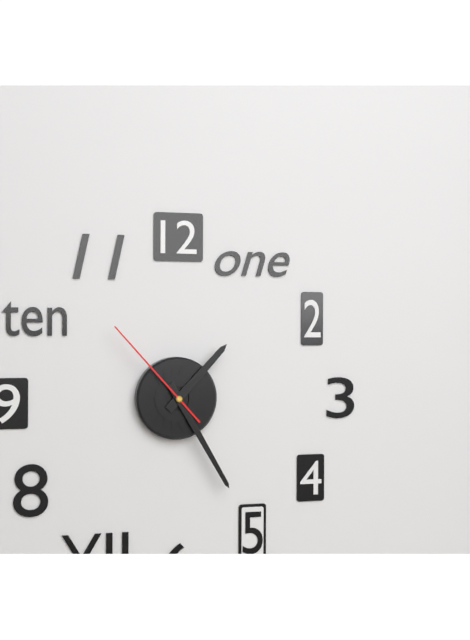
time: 1:25:53
